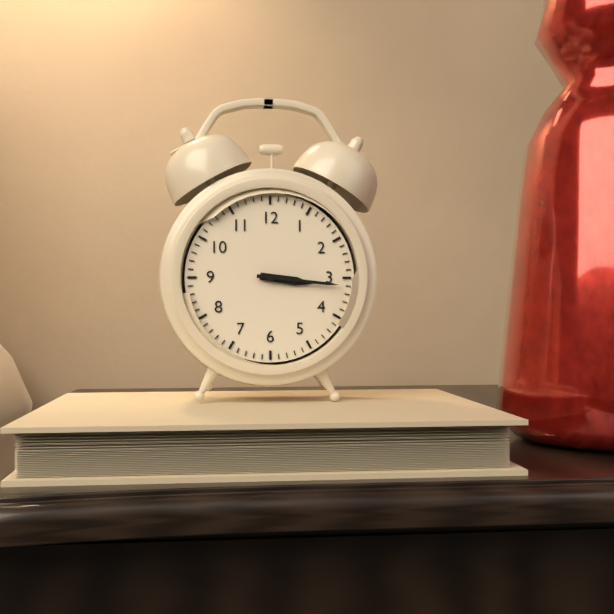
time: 3:16
